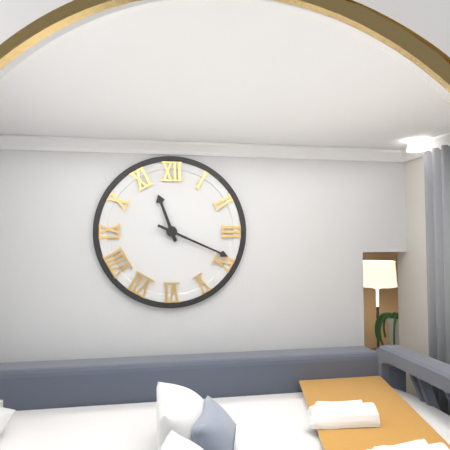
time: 11:19
